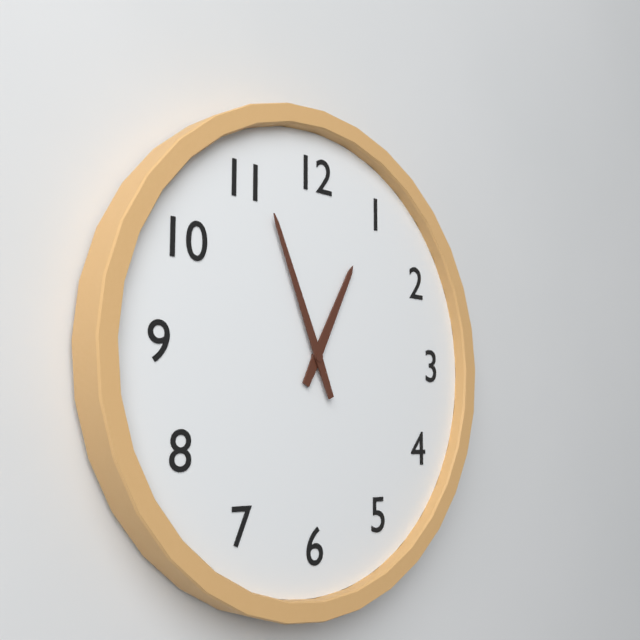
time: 12:56
